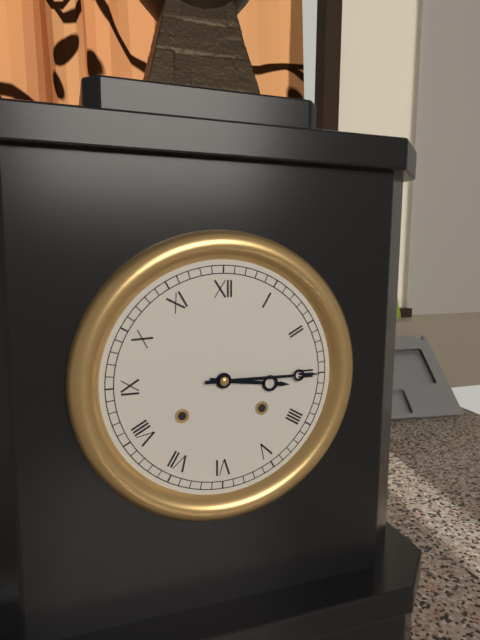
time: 3:15
